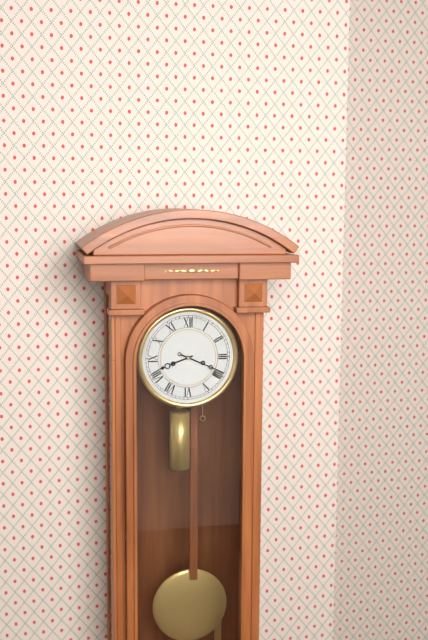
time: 8:19
